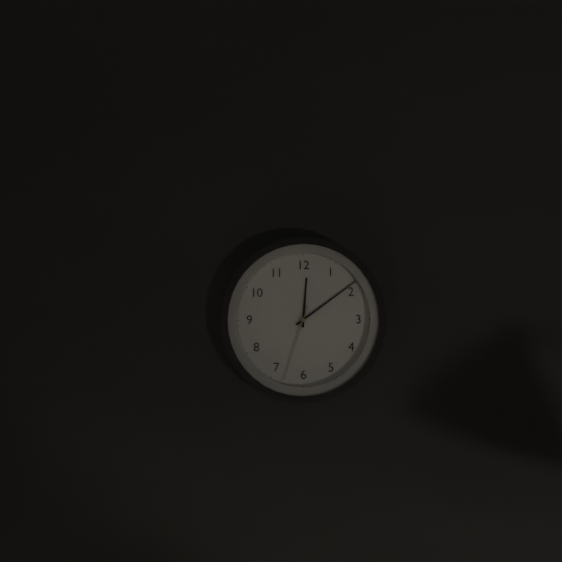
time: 12:09:33
